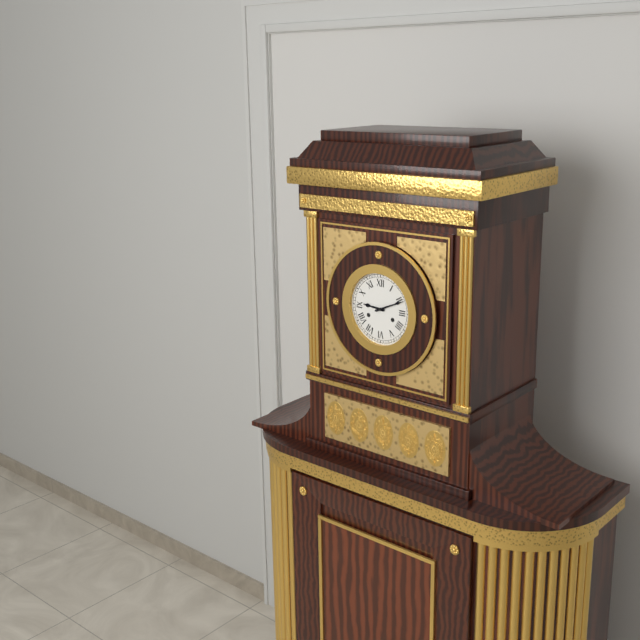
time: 9:11
